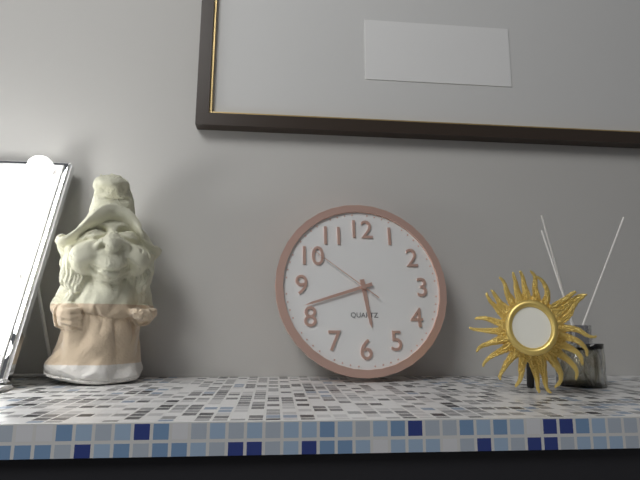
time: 5:42:51
